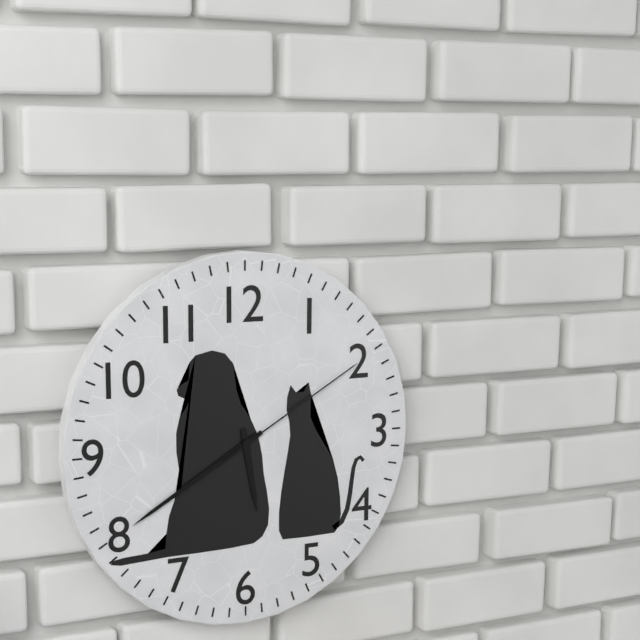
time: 5:40:10
